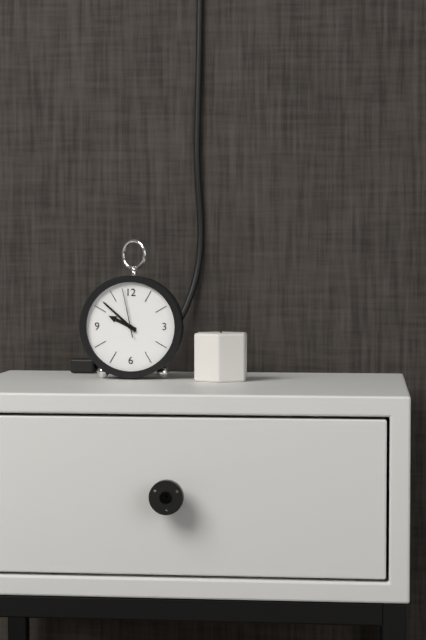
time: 9:52
